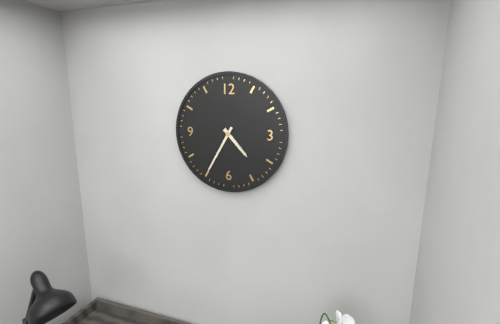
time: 4:35
